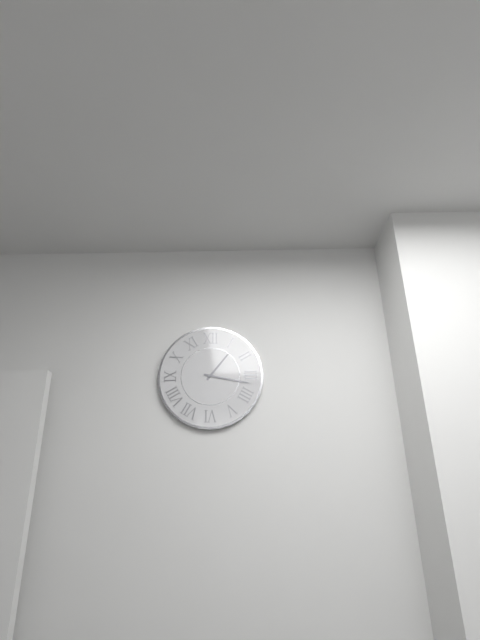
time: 1:17
